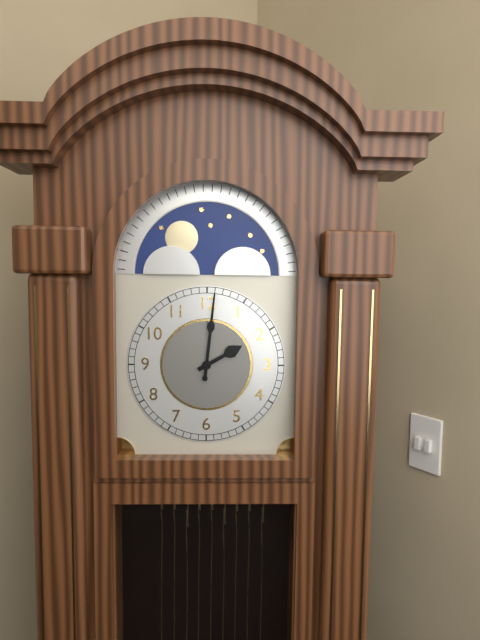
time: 2:01
